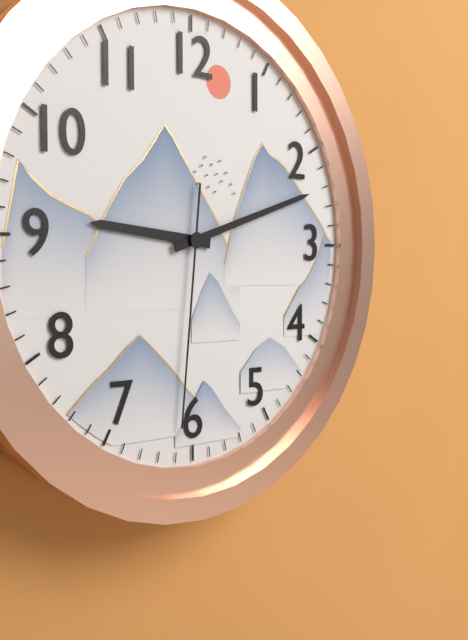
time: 9:12:31
